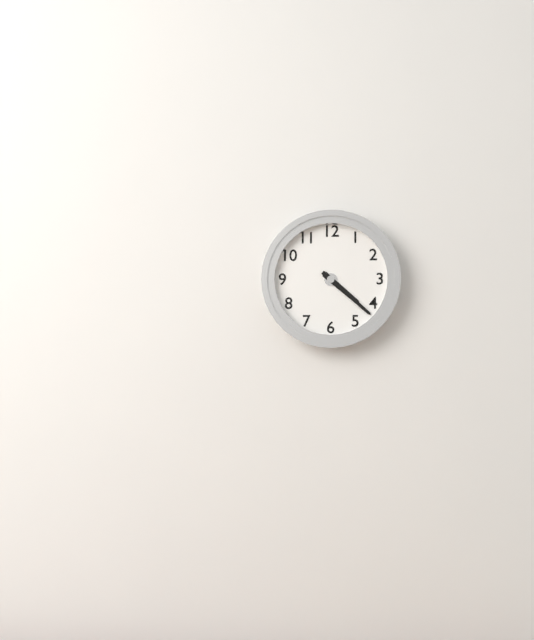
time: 4:22
